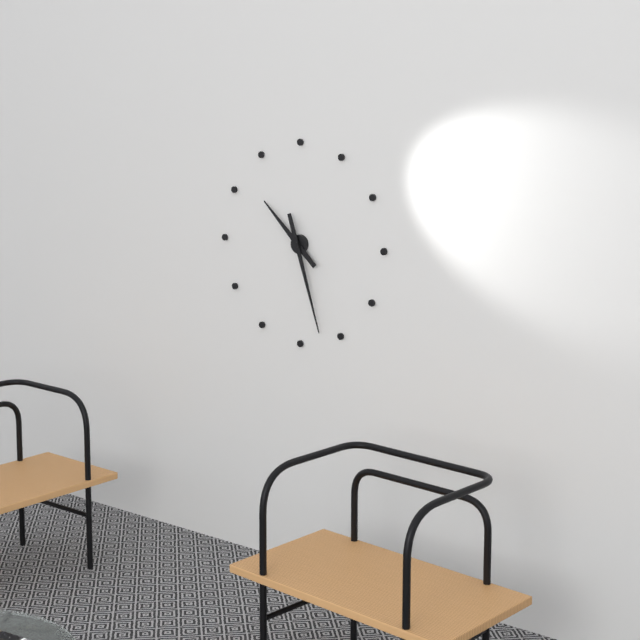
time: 10:27
